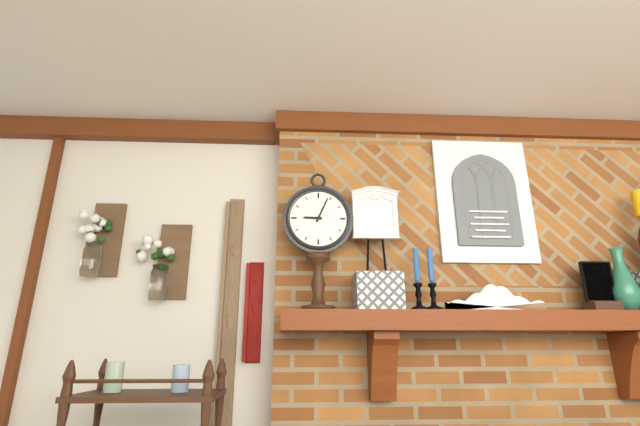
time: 9:04
